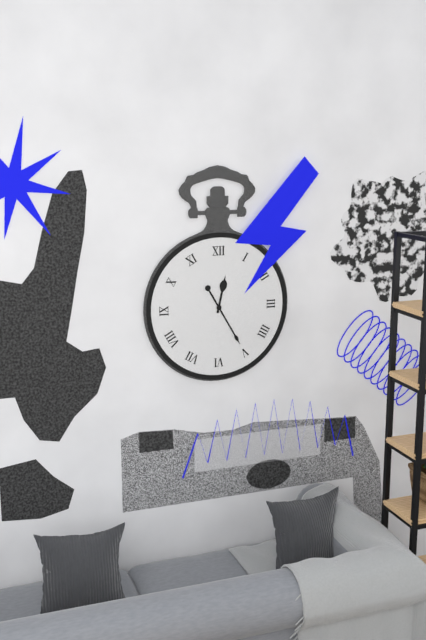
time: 12:25
